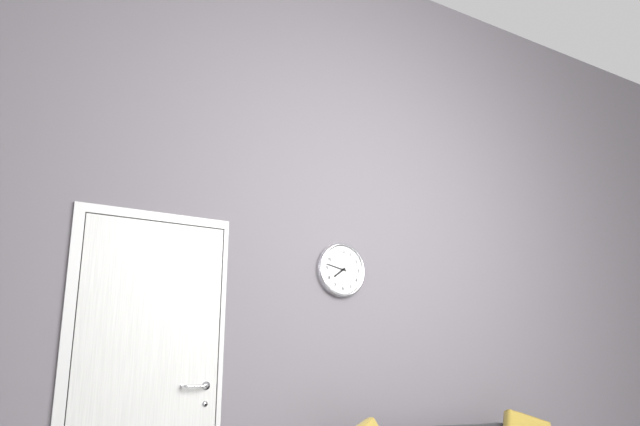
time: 7:47
